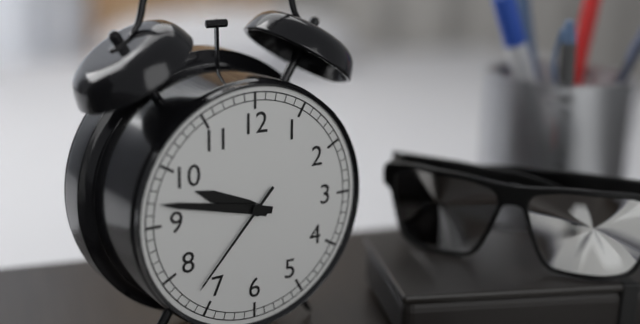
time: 9:47:37
